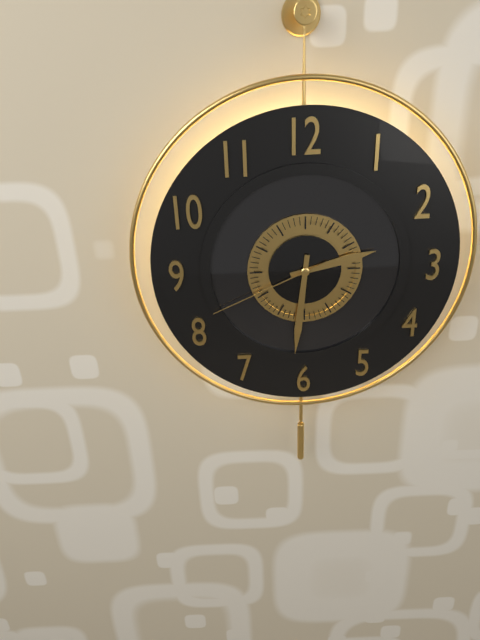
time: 2:31:41
